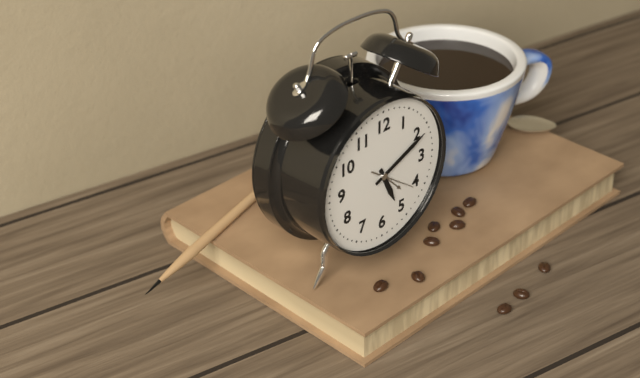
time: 5:11:21
